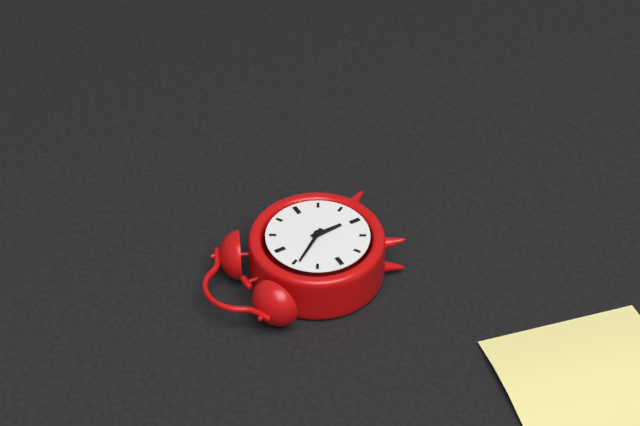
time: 5:54
